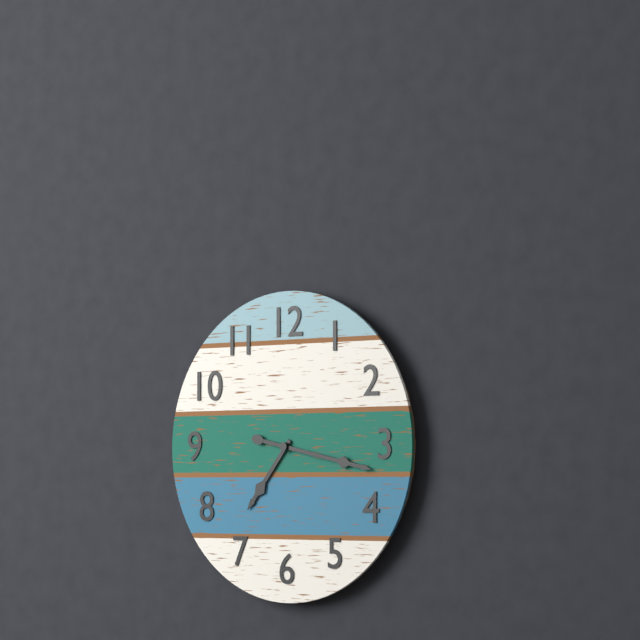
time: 7:17
